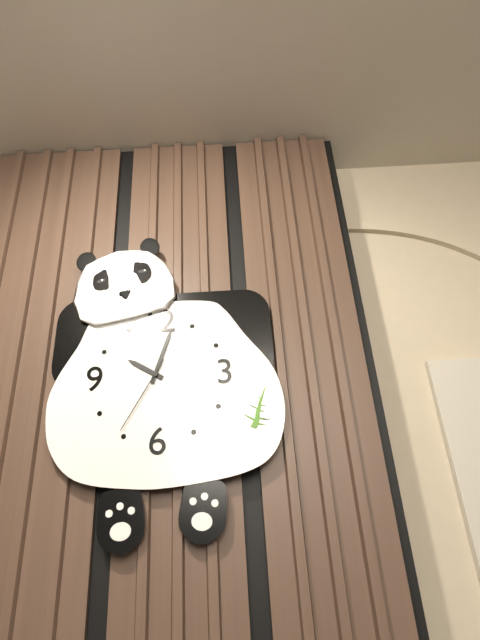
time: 10:03:35
